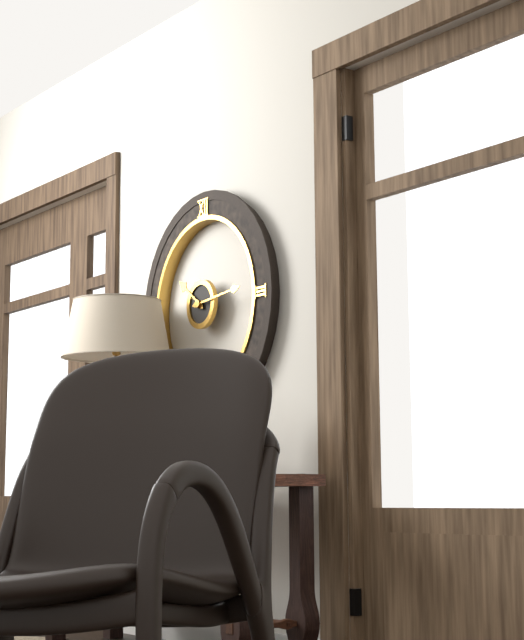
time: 10:14
